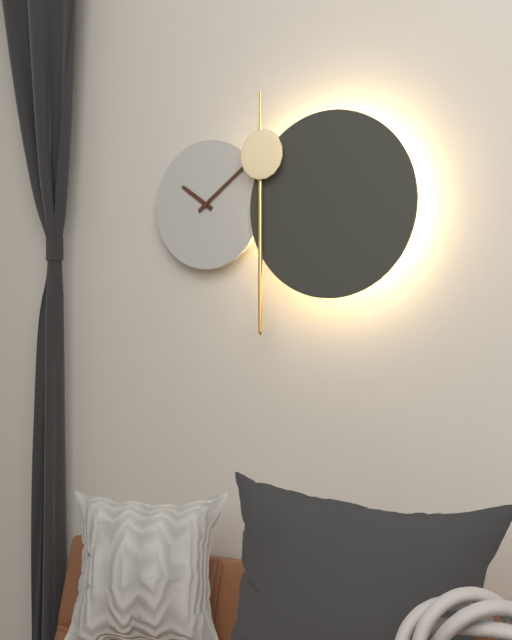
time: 10:09
